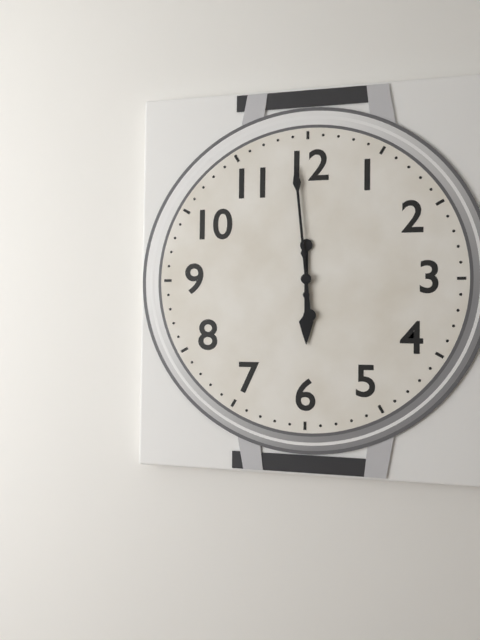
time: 5:59
